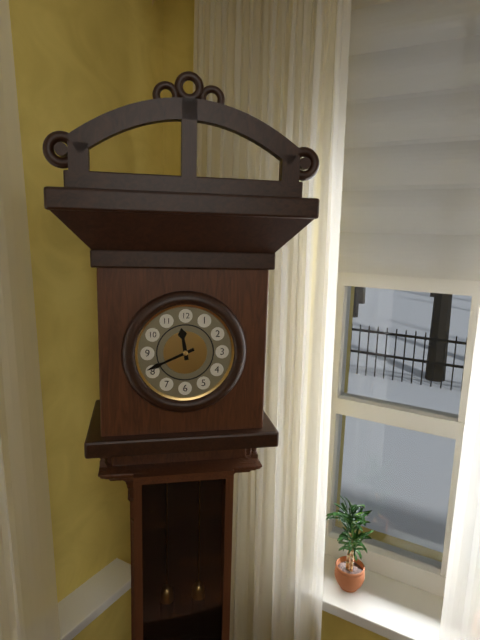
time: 11:41
